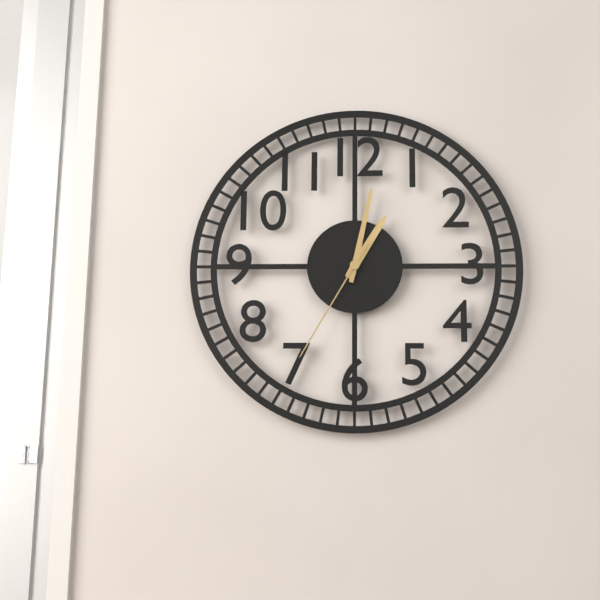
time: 1:02:35
